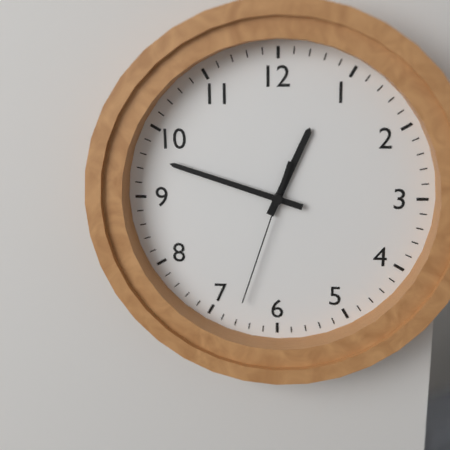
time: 12:48:33
